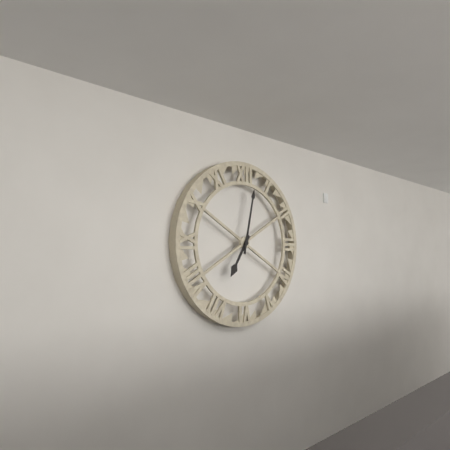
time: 7:02
